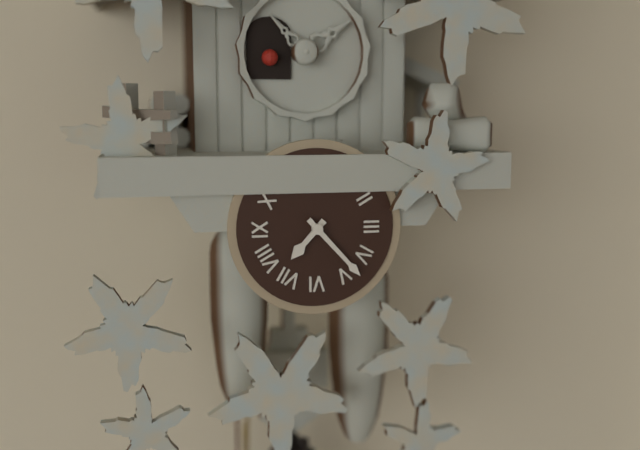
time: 7:23
